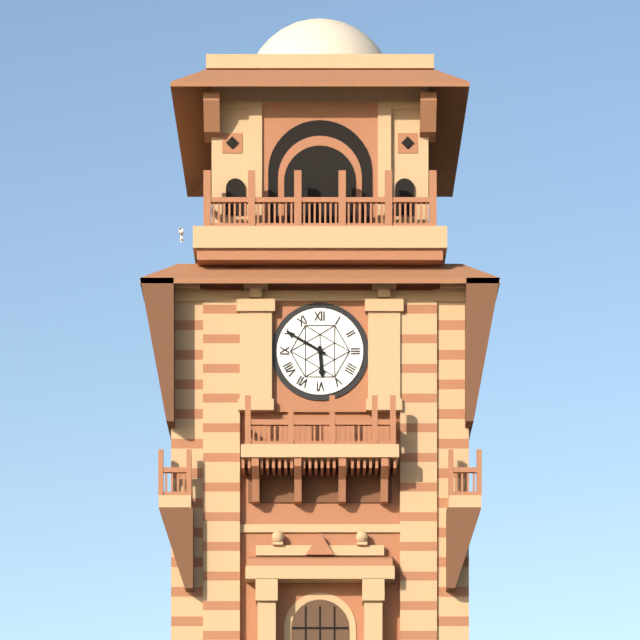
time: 5:50
